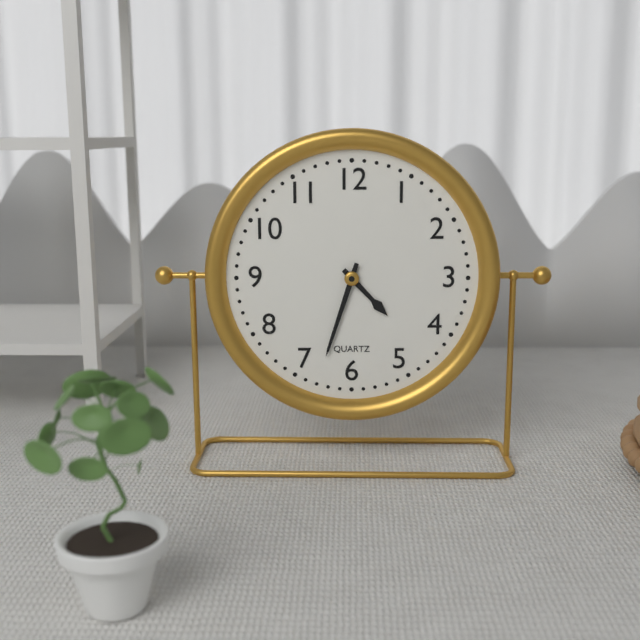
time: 4:33
